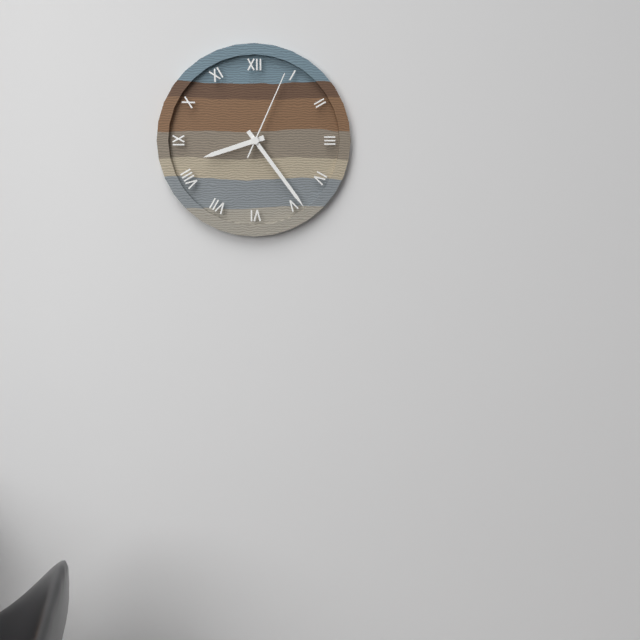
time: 8:24:04
